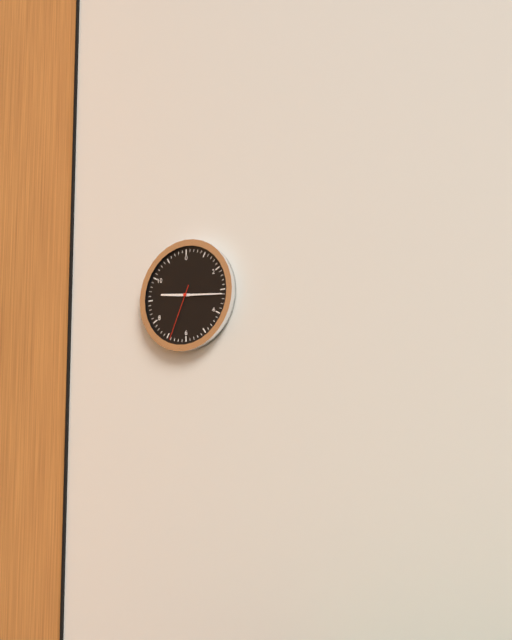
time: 9:16:34
